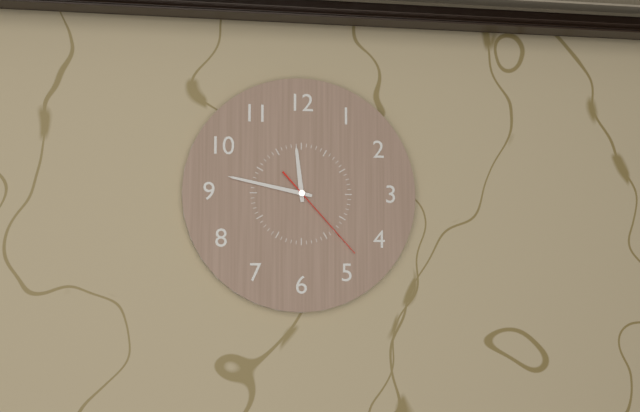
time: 11:47:23
